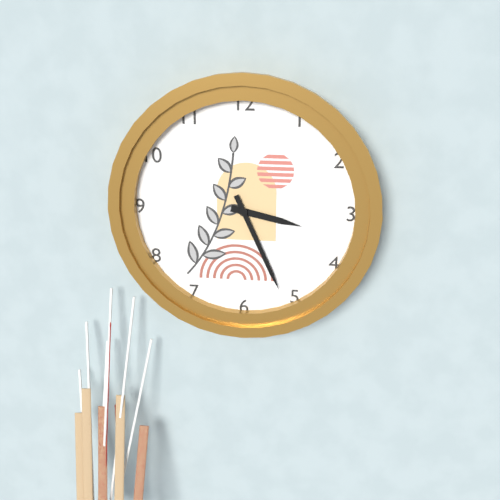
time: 3:26
